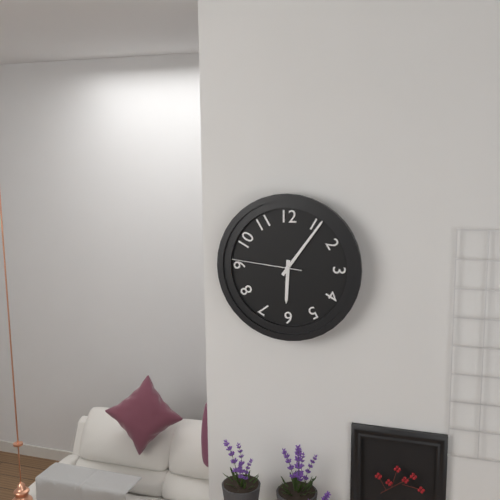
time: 6:06:46
